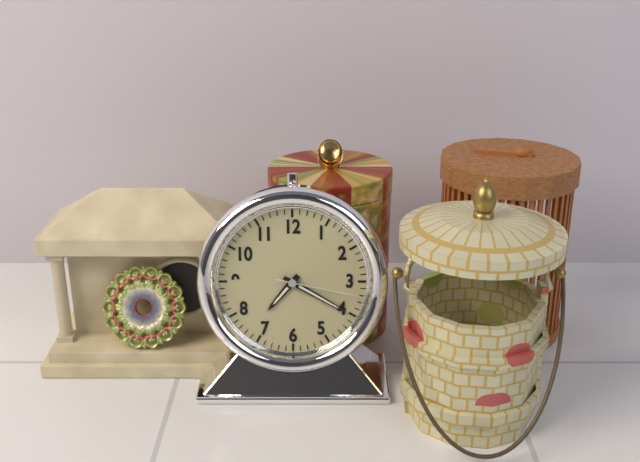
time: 7:20:17
